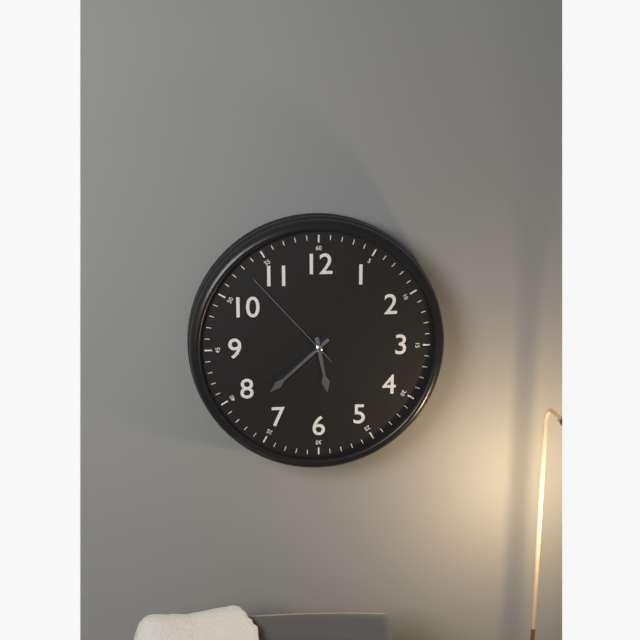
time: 5:38:53
